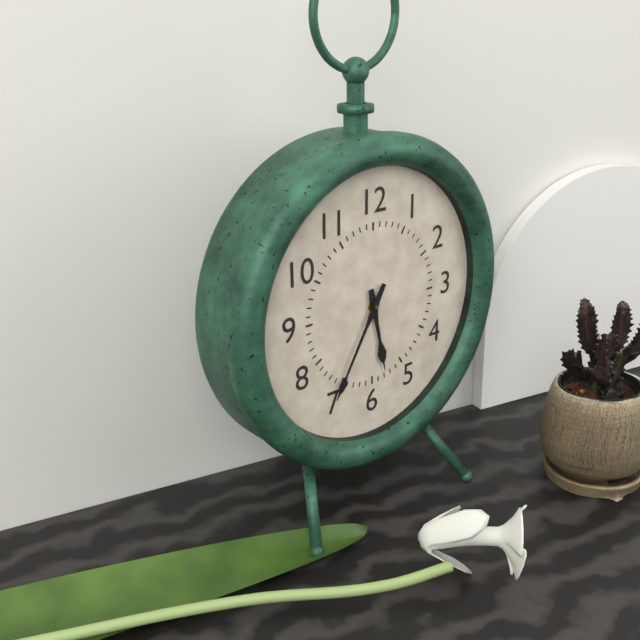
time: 5:35
